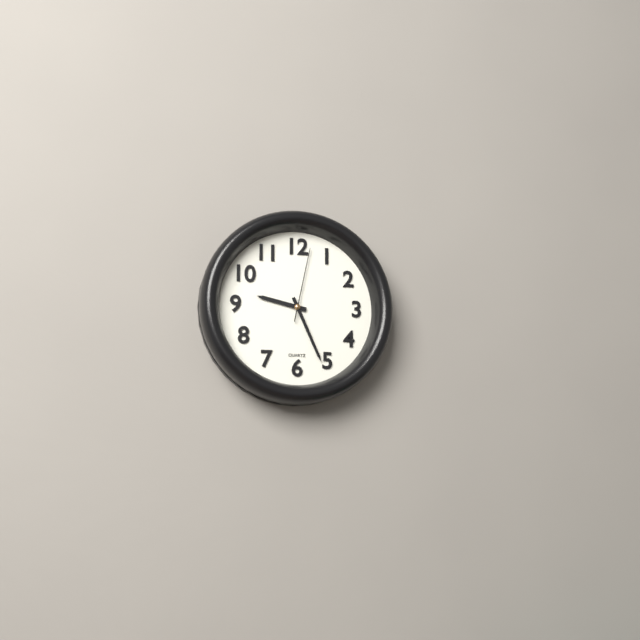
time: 9:26:02
